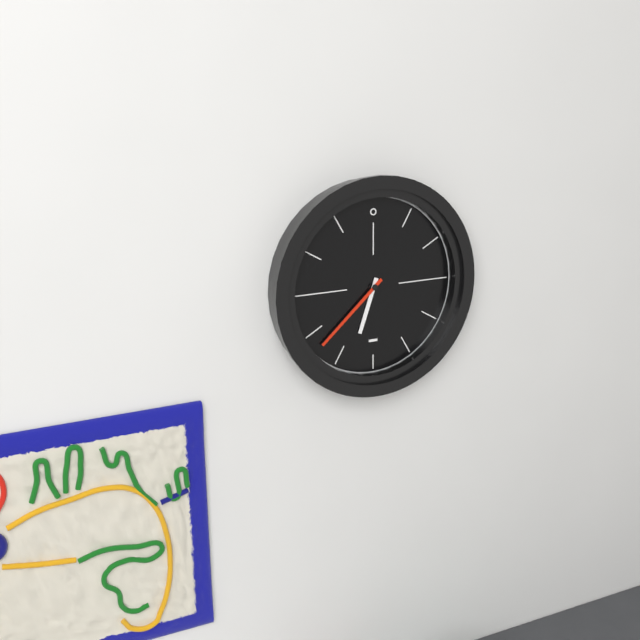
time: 6:38
